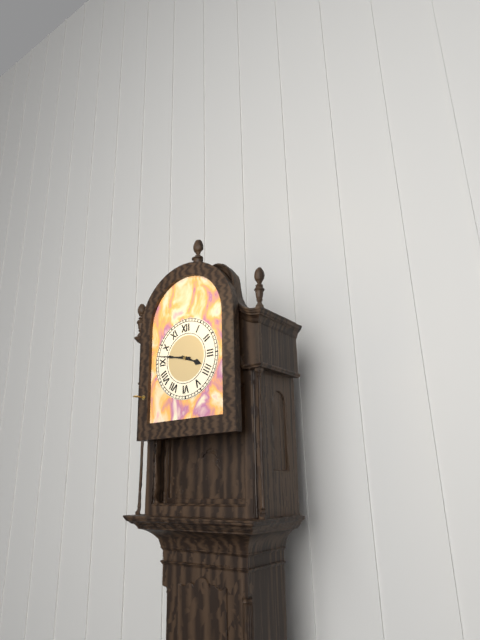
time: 3:47
